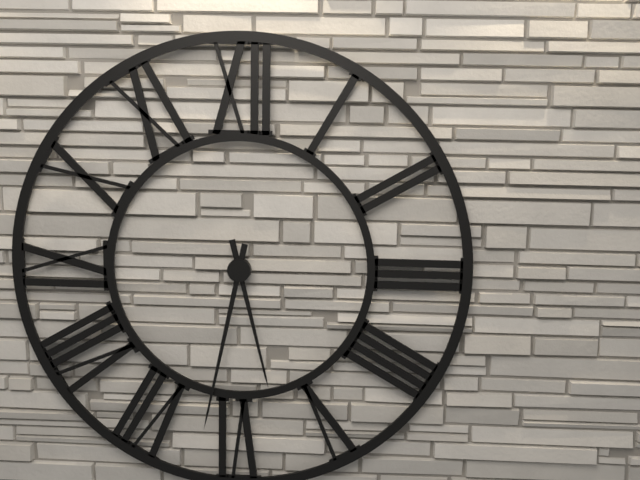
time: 5:32
